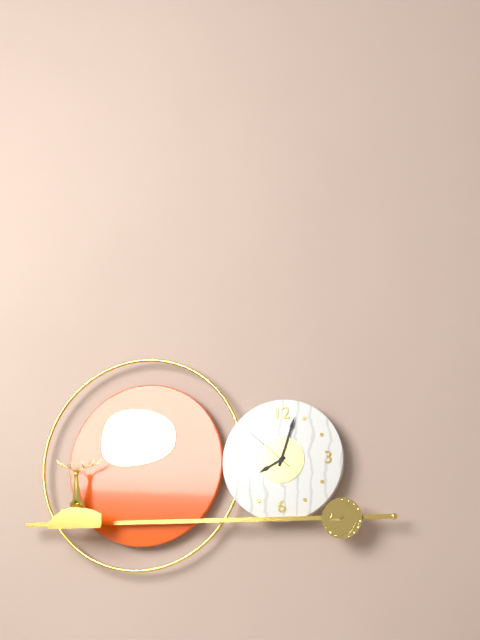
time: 8:03:52
